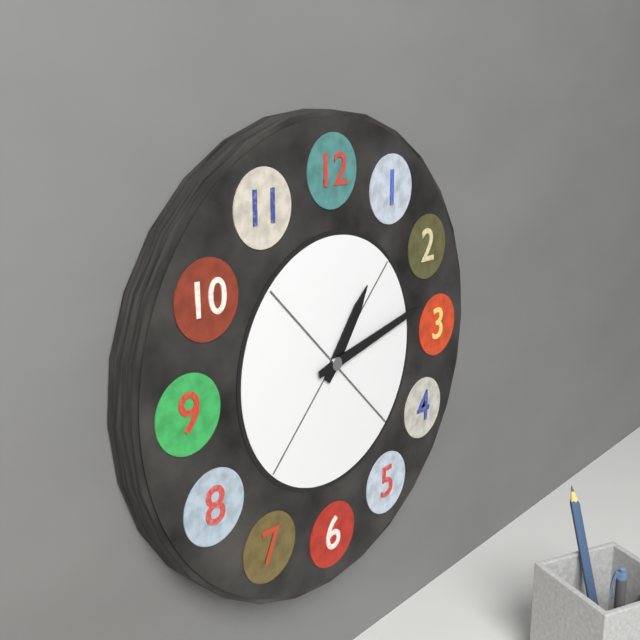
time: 1:13
